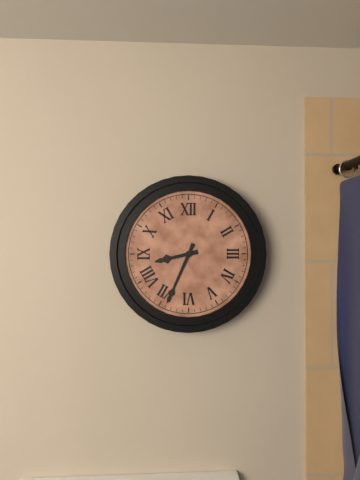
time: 8:34
